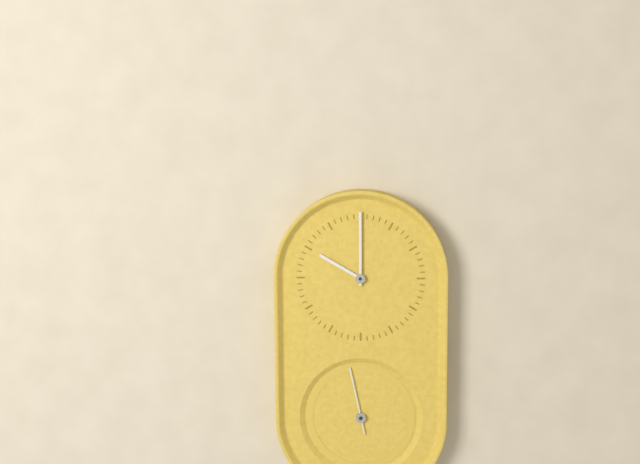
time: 10:00:58
